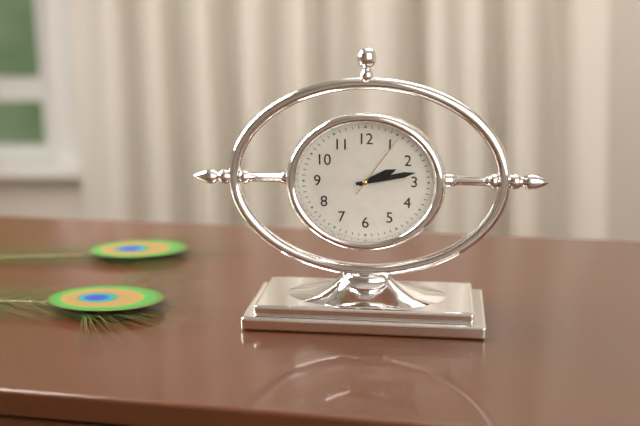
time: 2:13:06
